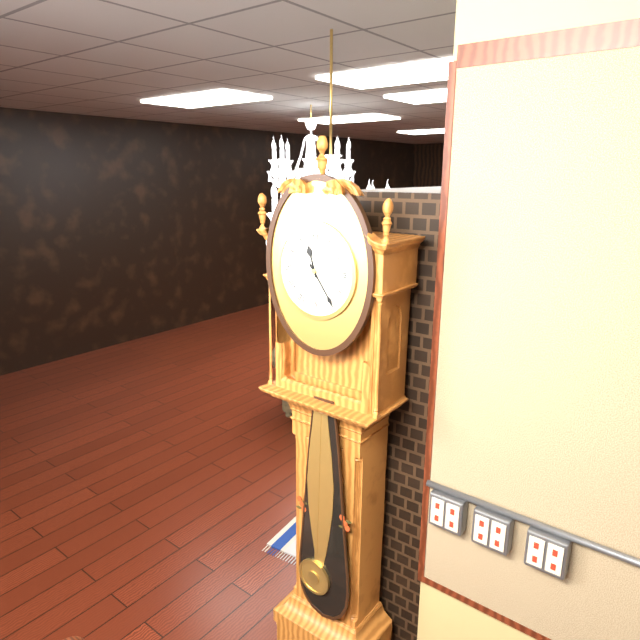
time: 11:24
